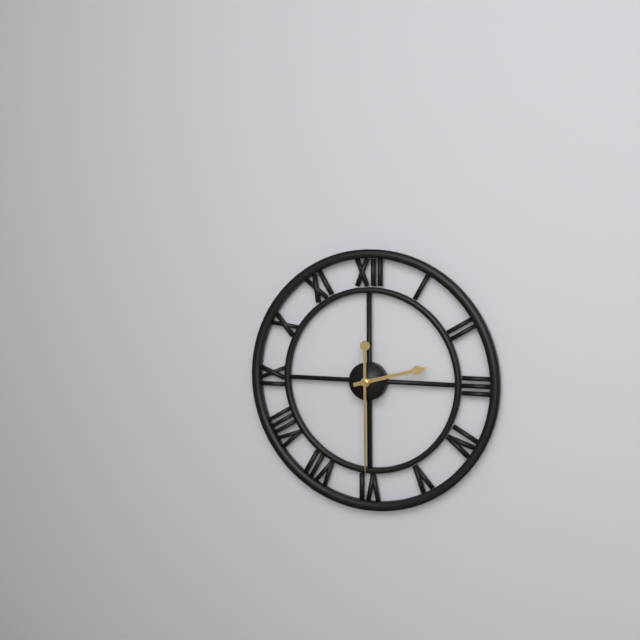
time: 2:30
